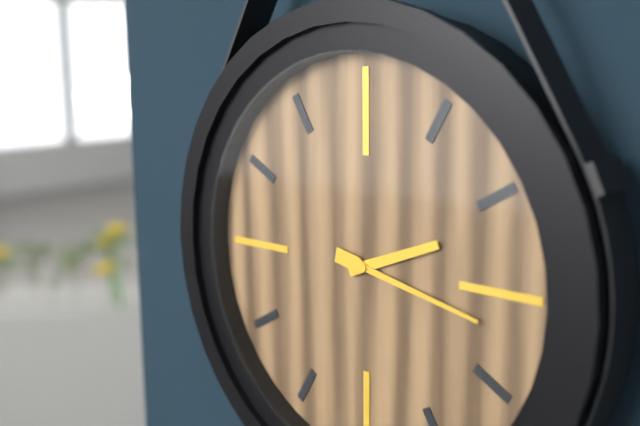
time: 2:17
